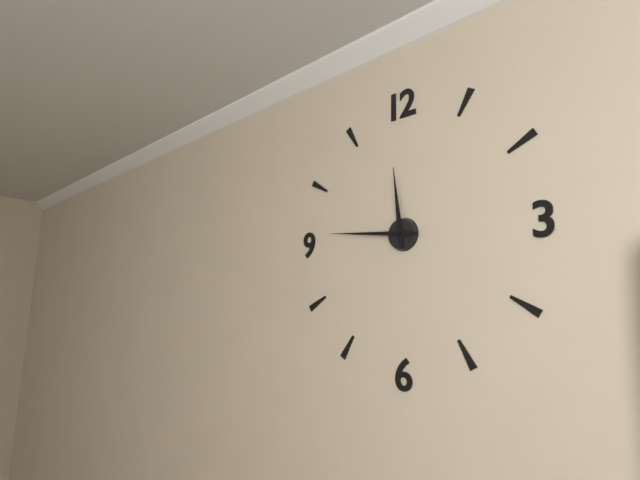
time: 11:46
